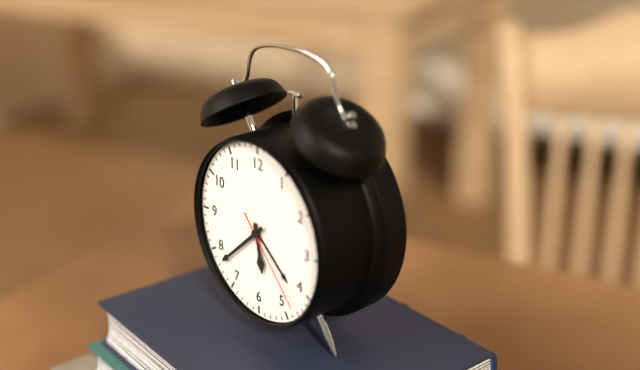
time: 5:38:23
